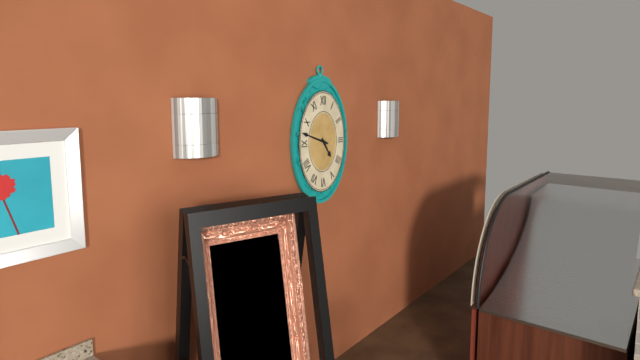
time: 4:48
